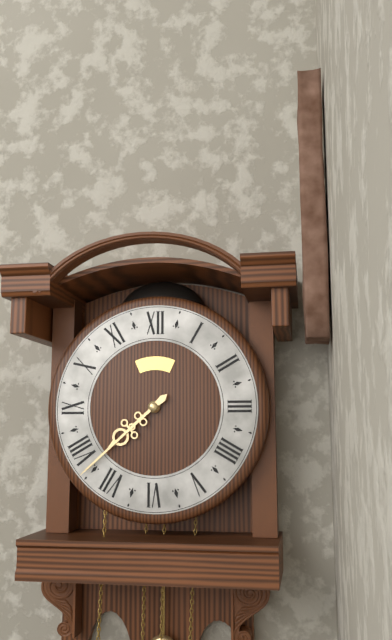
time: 7:38
